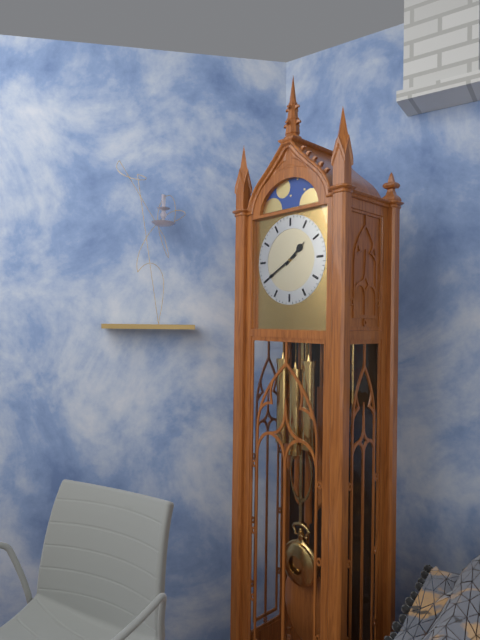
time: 1:40
